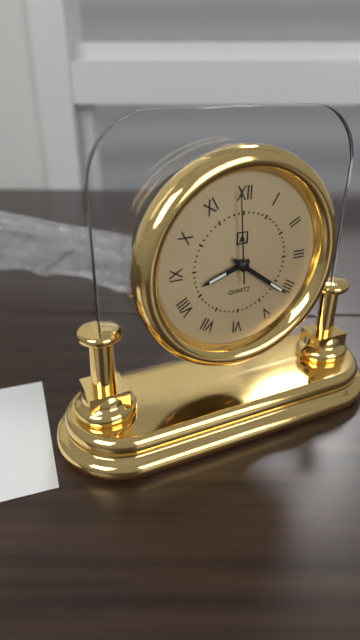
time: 8:21:59
